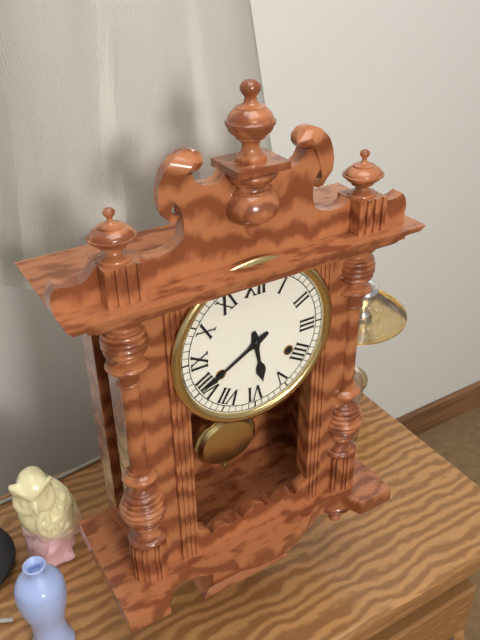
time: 5:40
